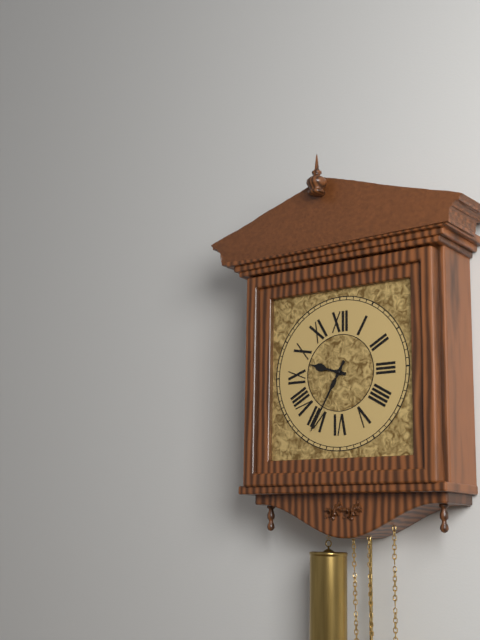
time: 9:35
